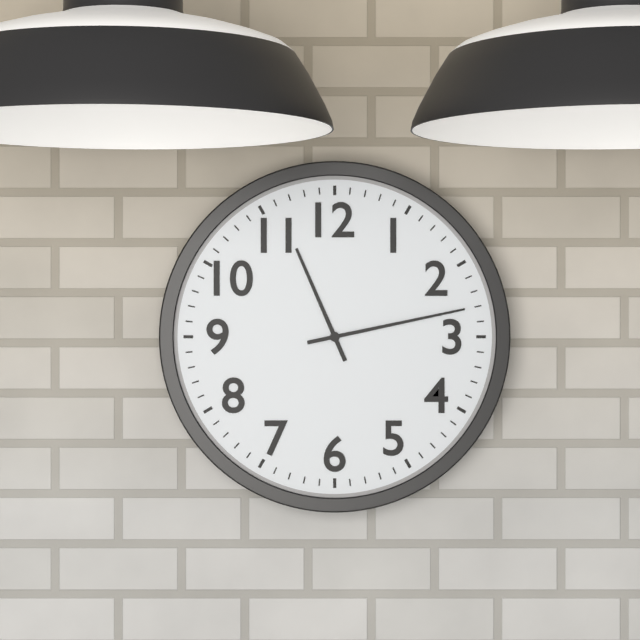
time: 11:13
